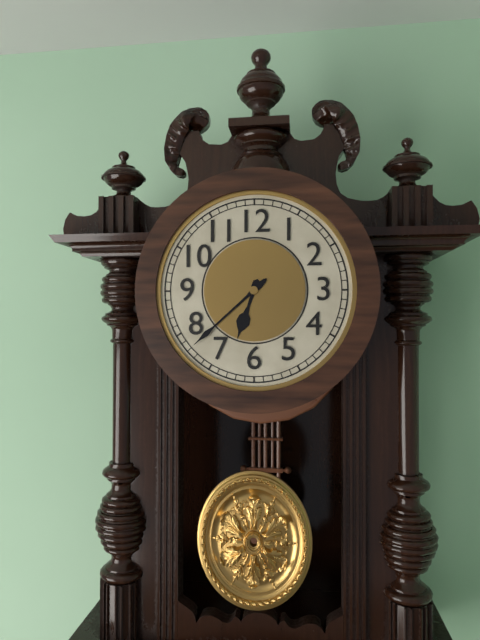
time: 6:38
